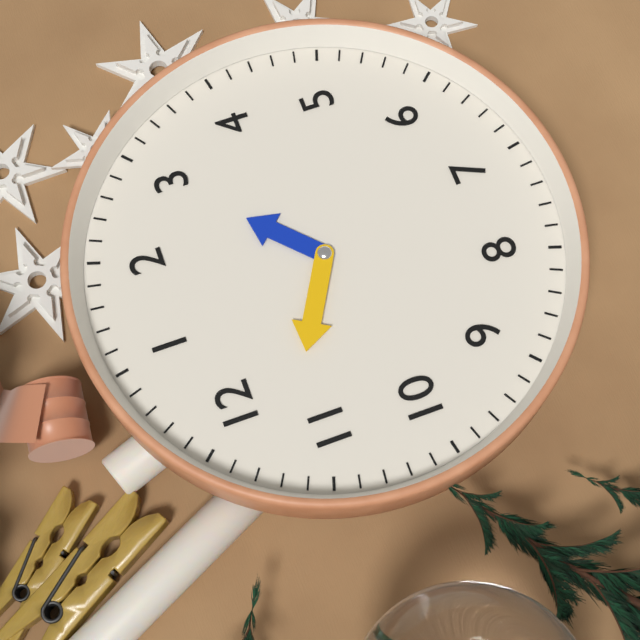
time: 2:57
